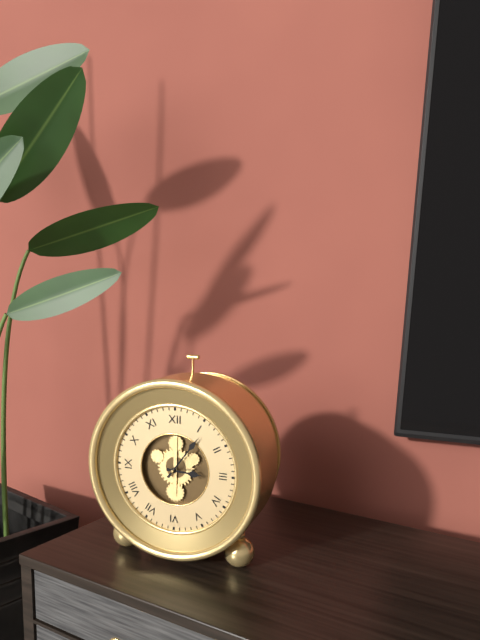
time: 3:06
